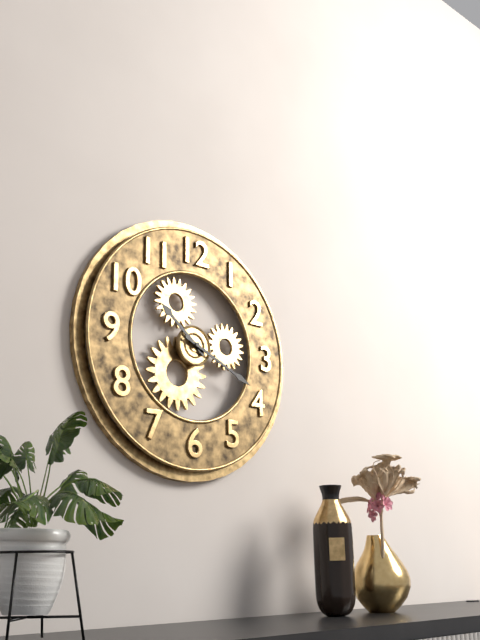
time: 10:19
